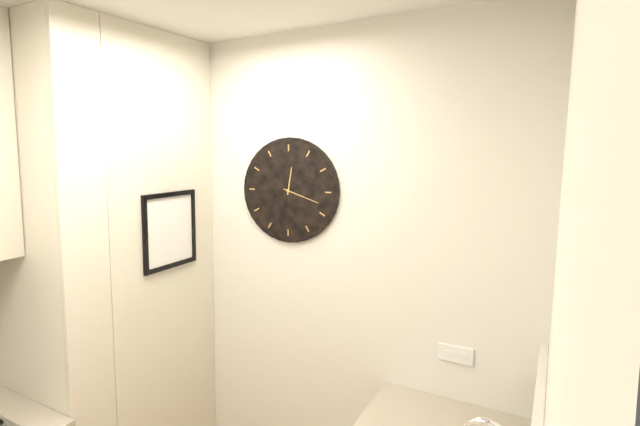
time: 12:18
